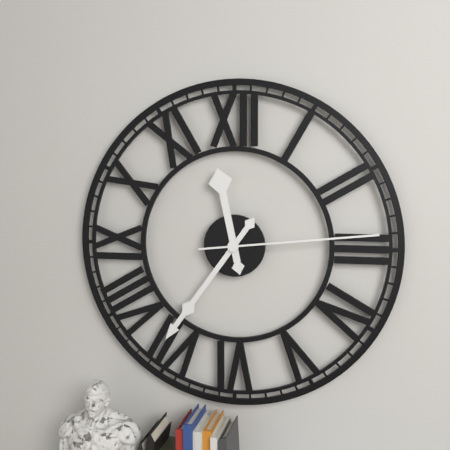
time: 11:36:14
